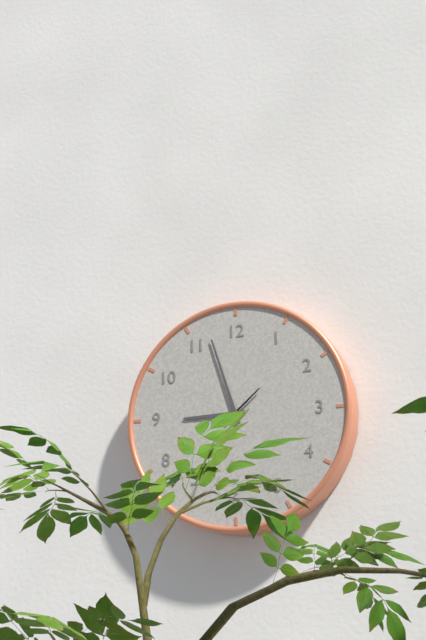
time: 8:57
